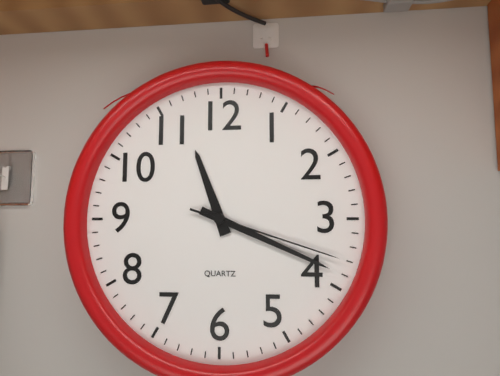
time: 11:19:18
